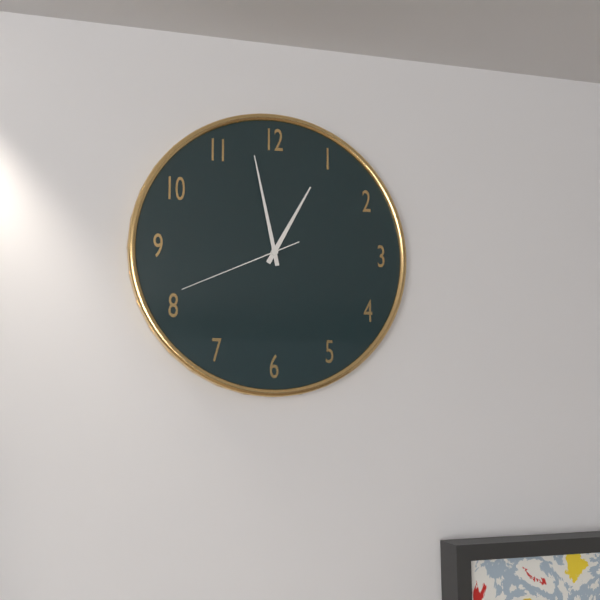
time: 12:58:41
